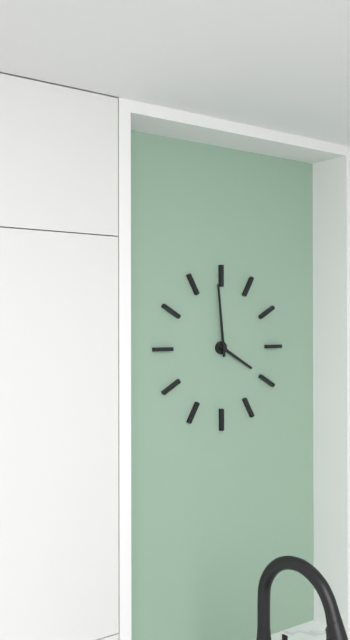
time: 3:59
